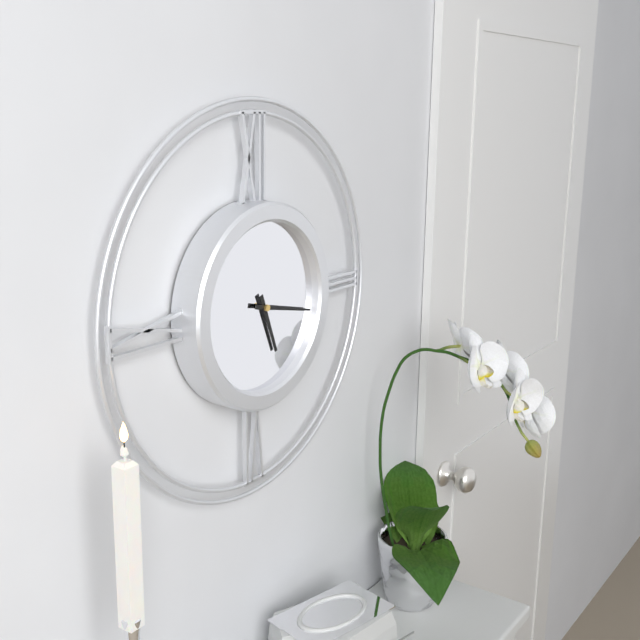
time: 5:17
